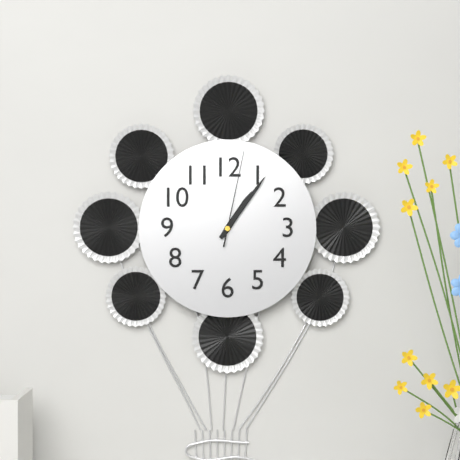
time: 1:06:02
